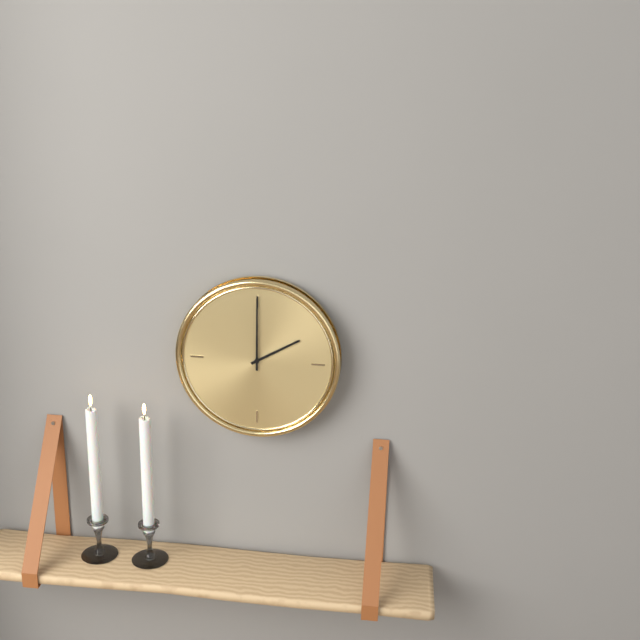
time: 2:00
